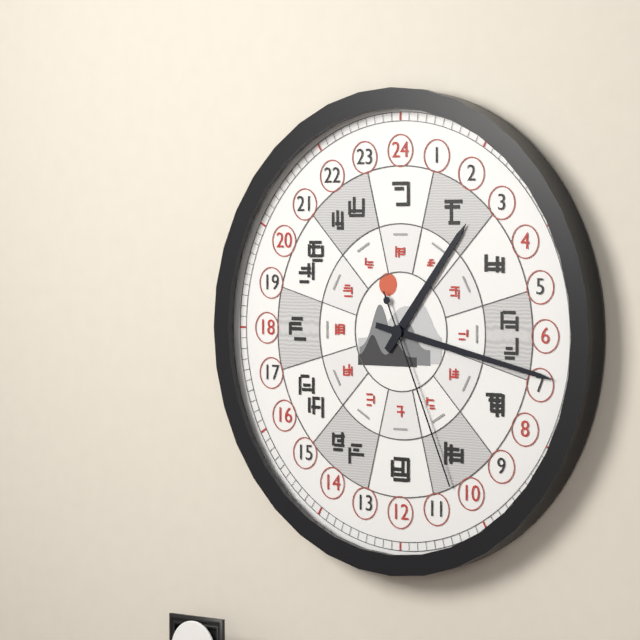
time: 1:17:26
